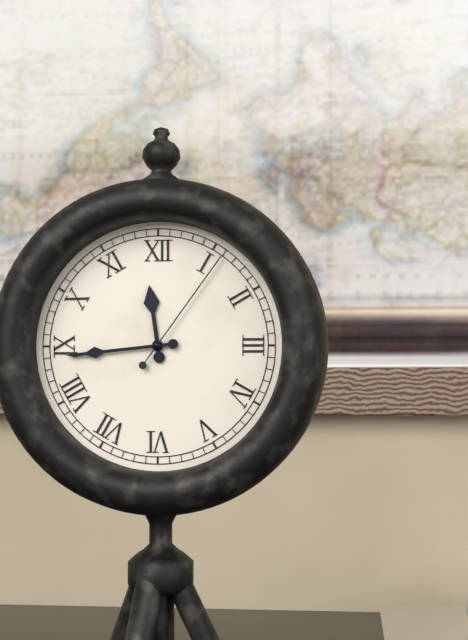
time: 11:44:06
